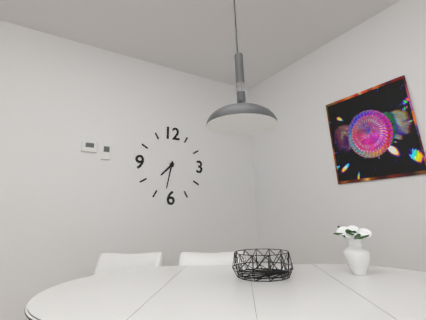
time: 7:32
